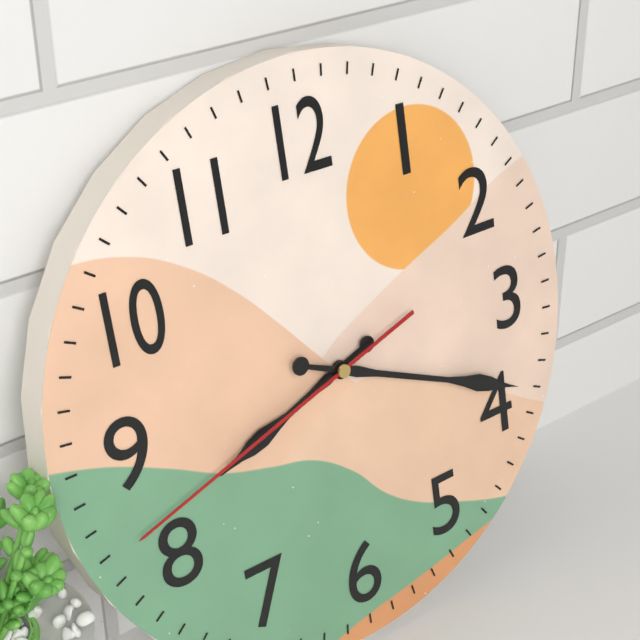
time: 8:19:42
